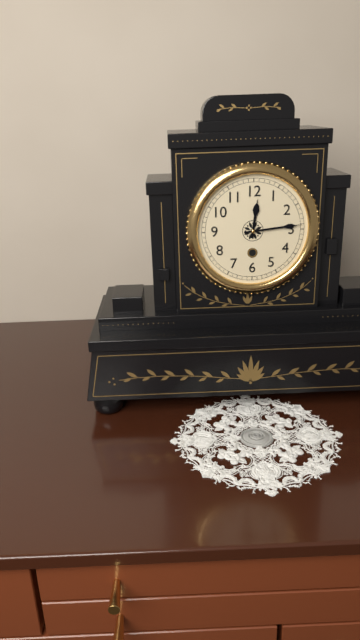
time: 12:14
